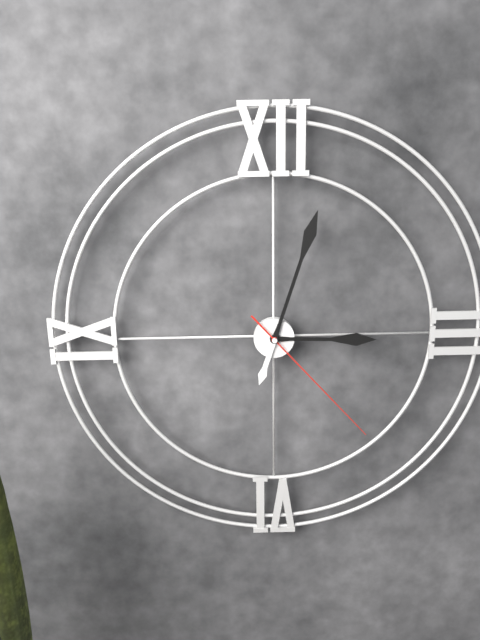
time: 3:03:23
